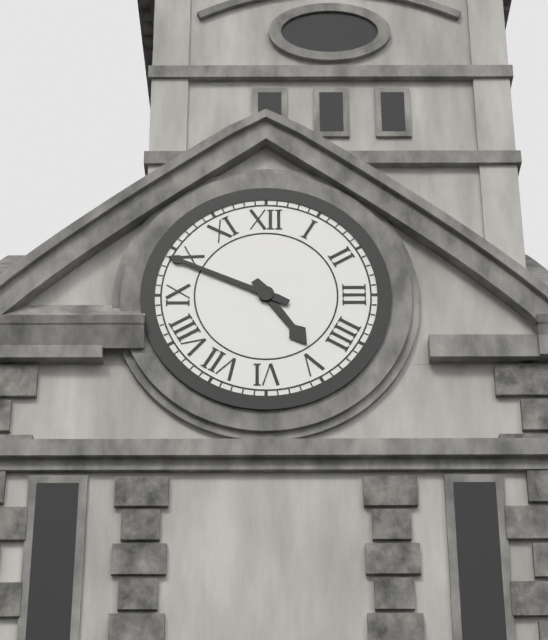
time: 4:49
